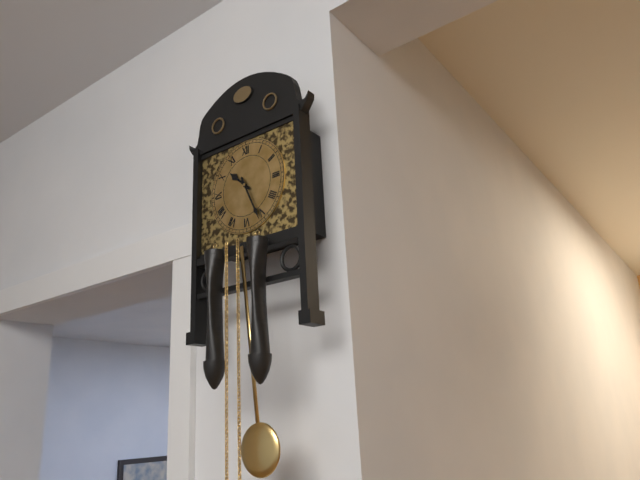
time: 10:26
